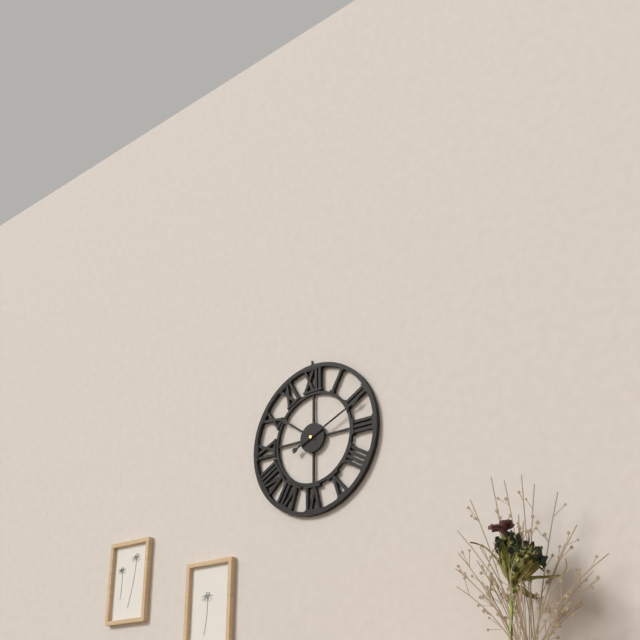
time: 10:11
